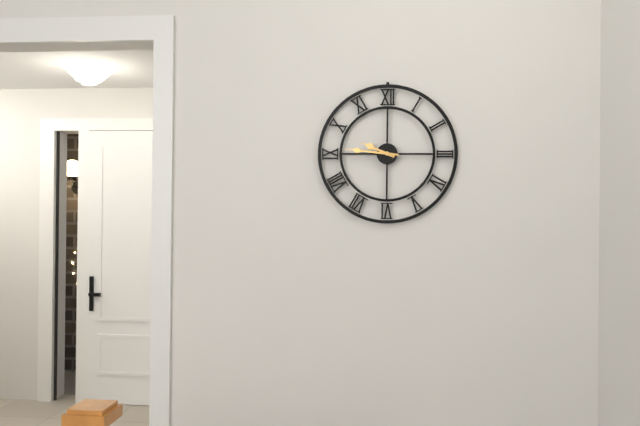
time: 9:46
